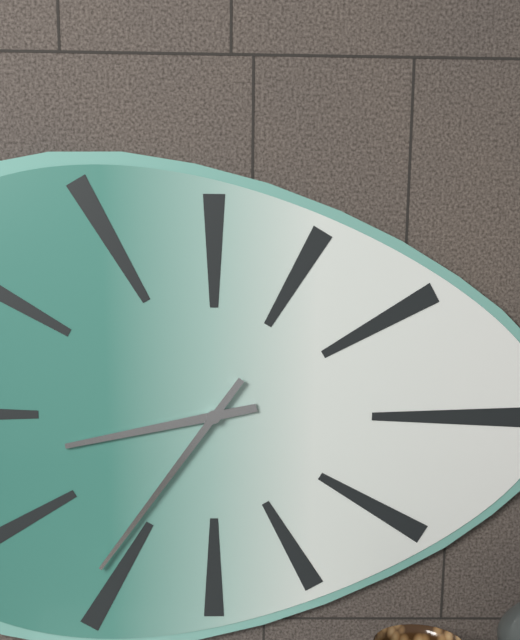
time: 8:36
